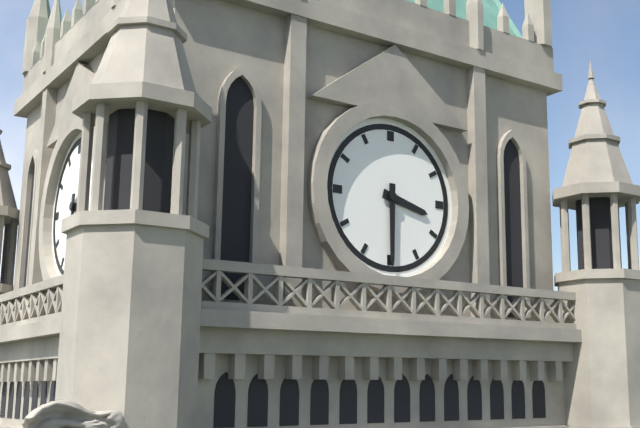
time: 3:30
